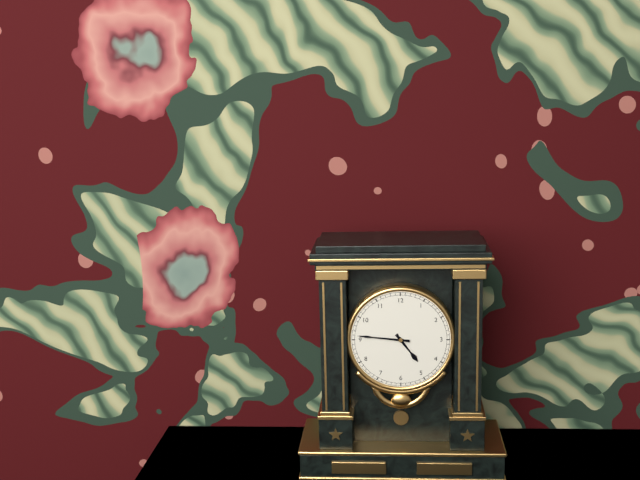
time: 4:46
